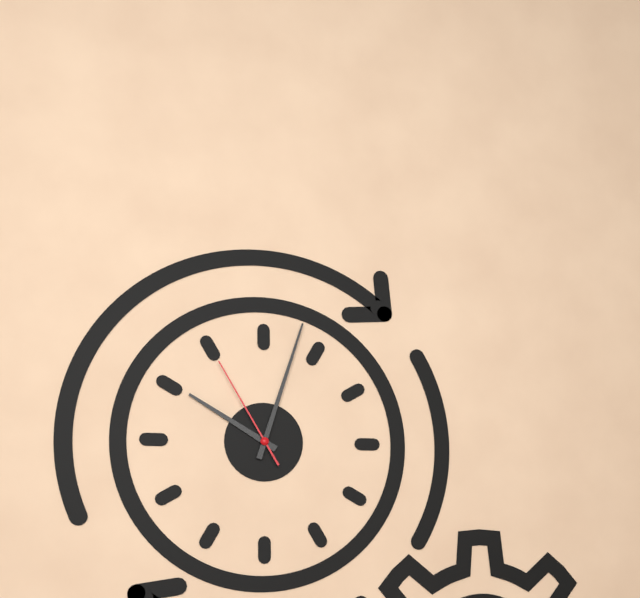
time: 10:03:55
